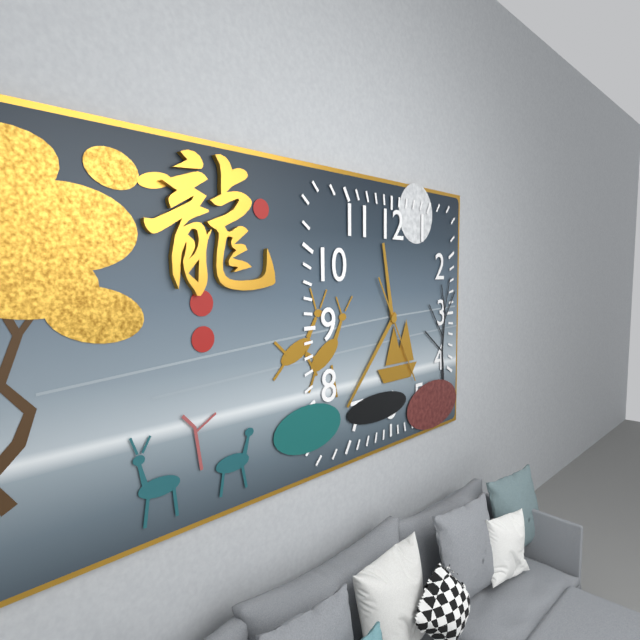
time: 11:37:25
